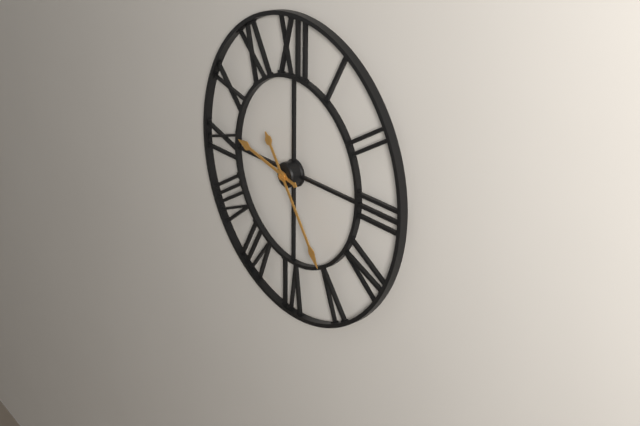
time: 9:24
